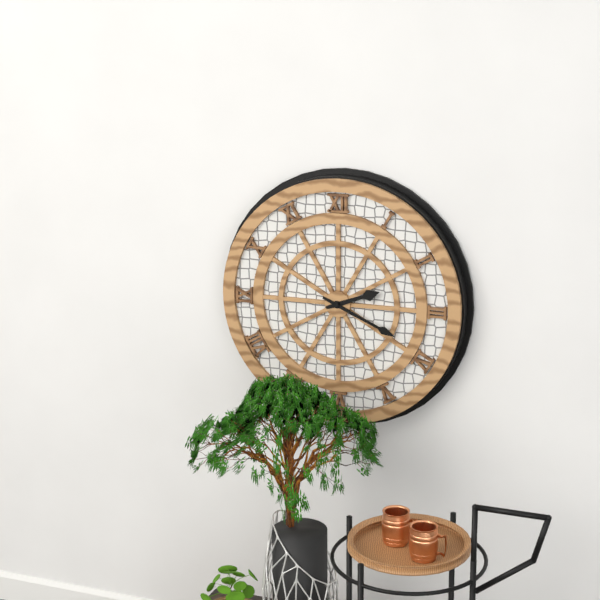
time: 2:19
